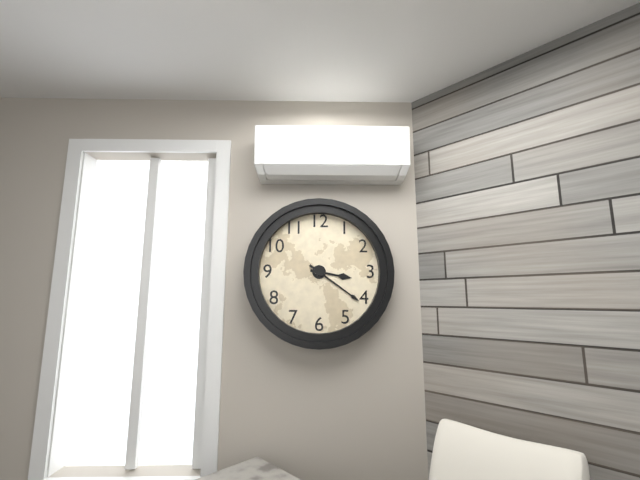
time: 3:21
